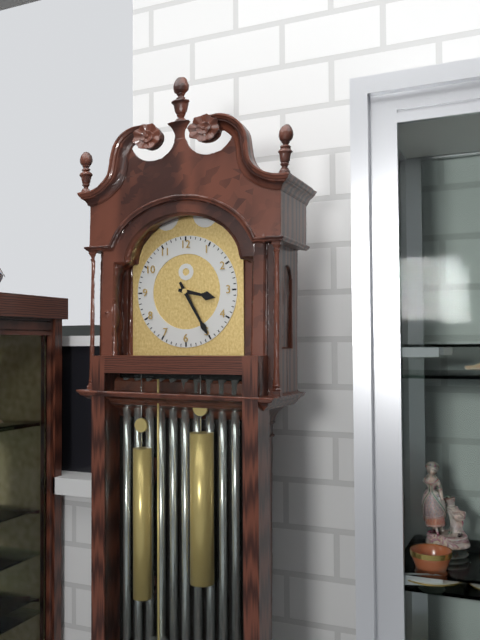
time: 3:25
